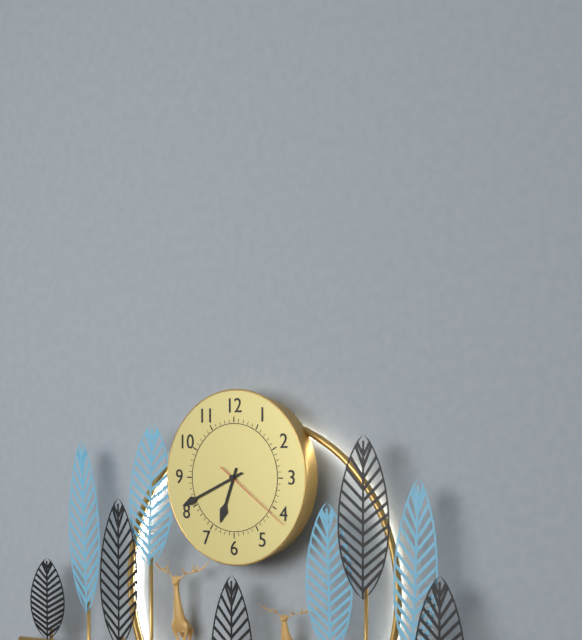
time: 6:41:21
